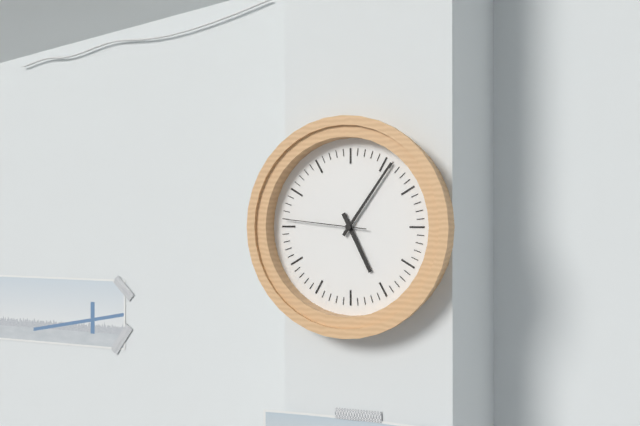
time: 5:06:46
